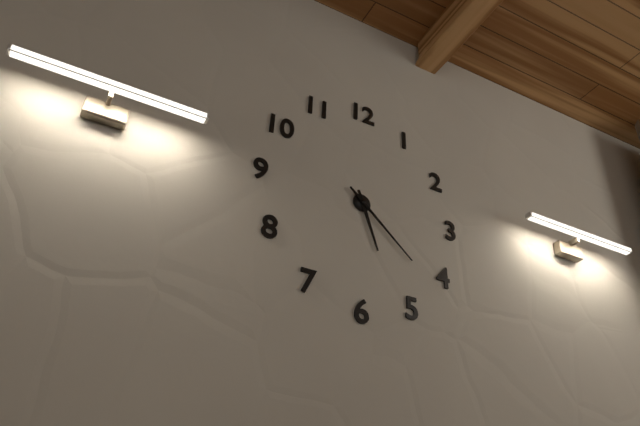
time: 5:22
